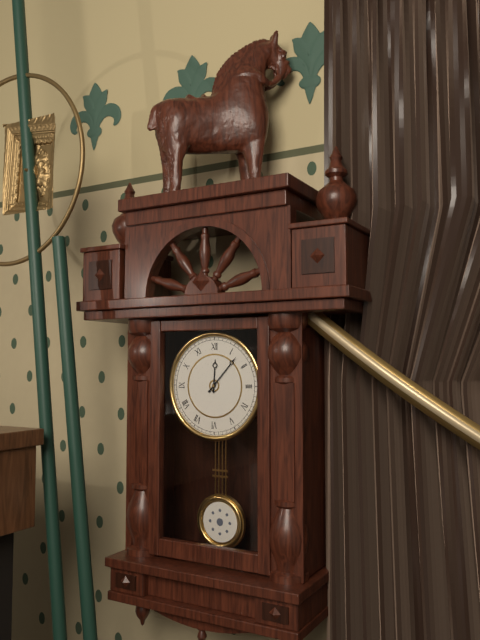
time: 12:07
